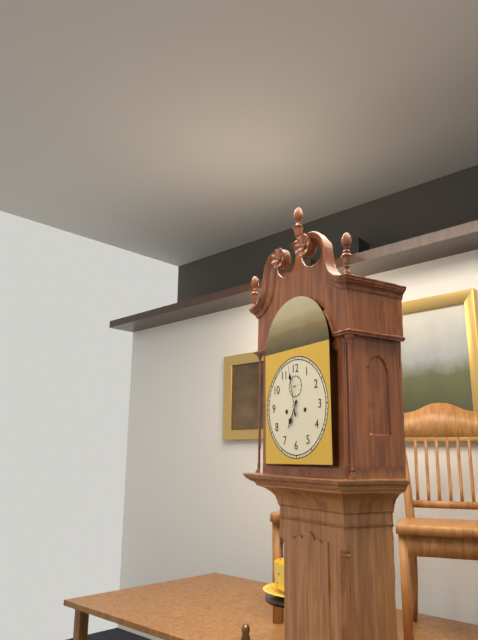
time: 6:58
